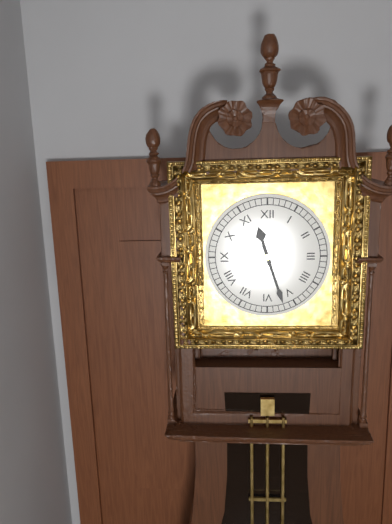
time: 11:27
